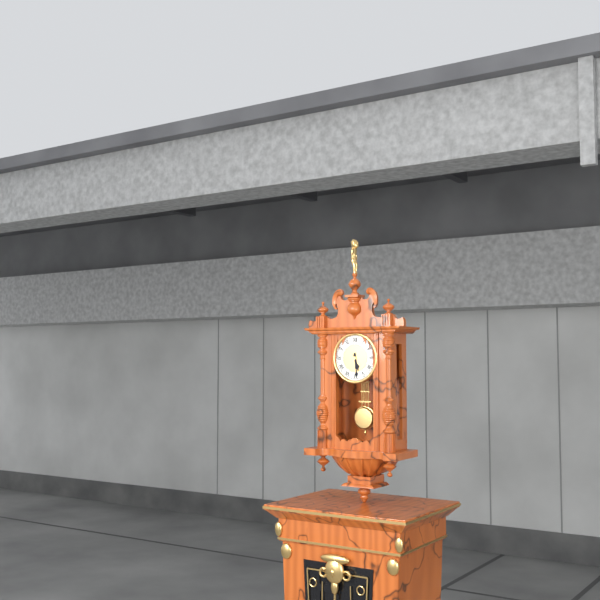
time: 5:29
